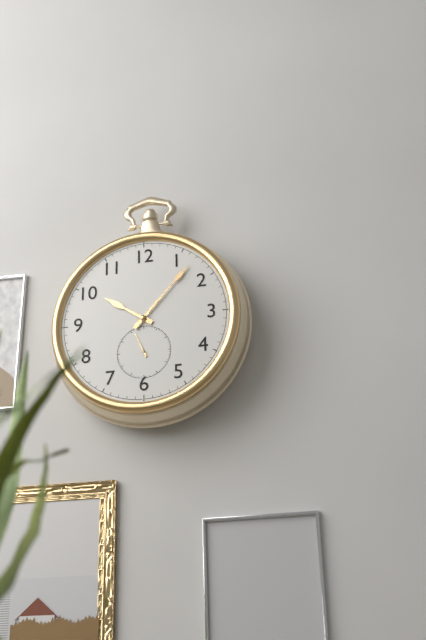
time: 10:07
